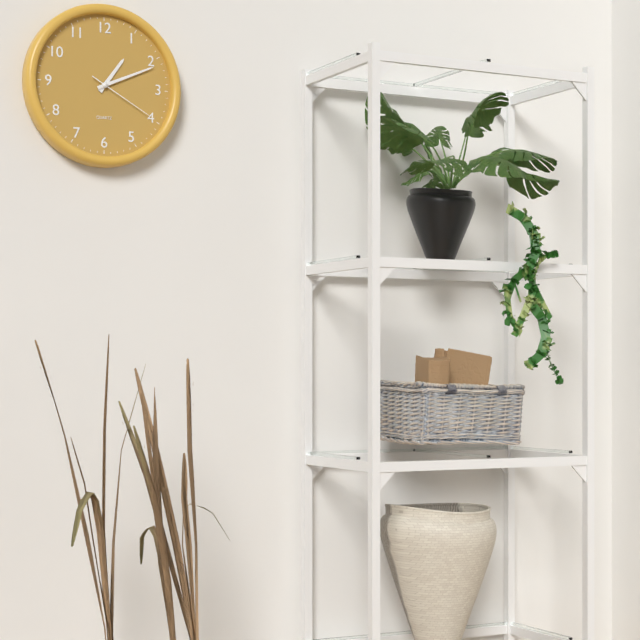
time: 1:11:20
